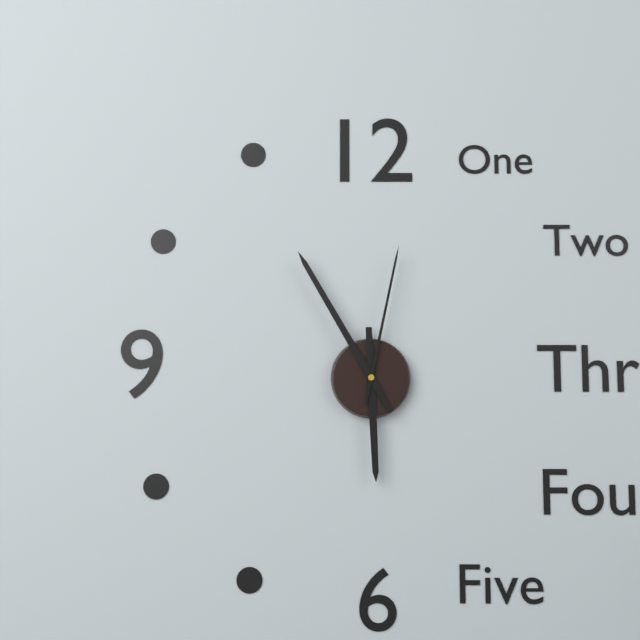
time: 5:55:02
